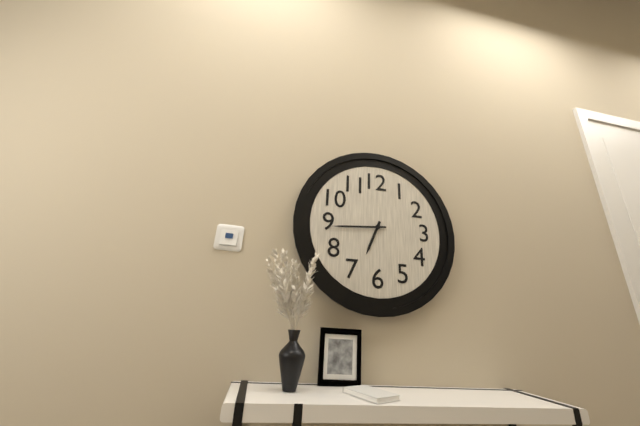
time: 6:44
